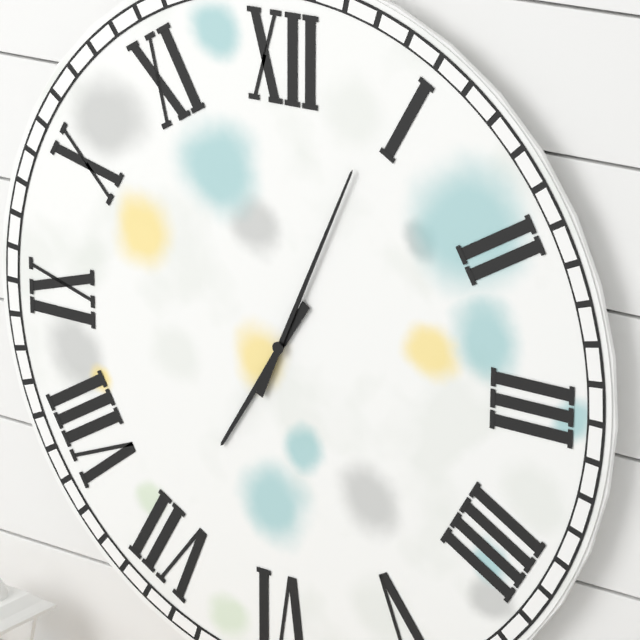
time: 7:04
